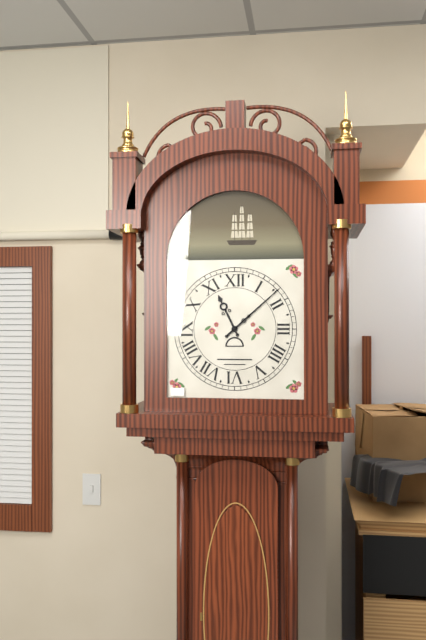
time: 11:08
